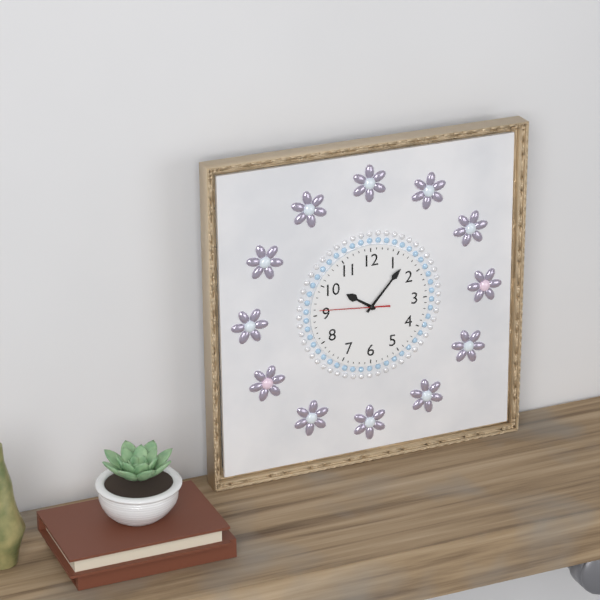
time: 10:07:46
